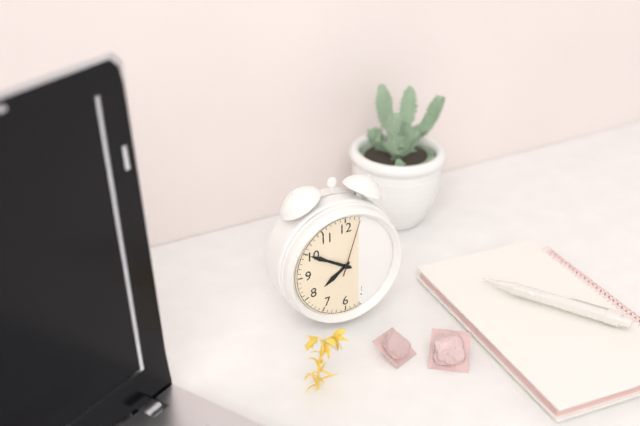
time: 7:50:03
